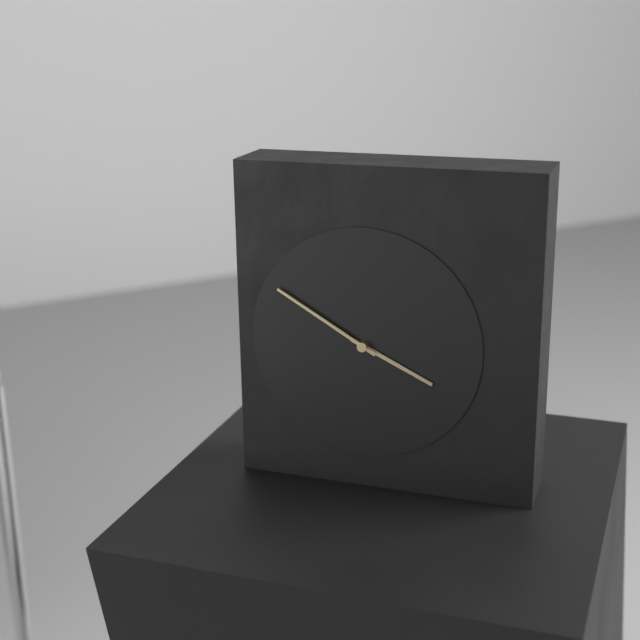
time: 3:50
